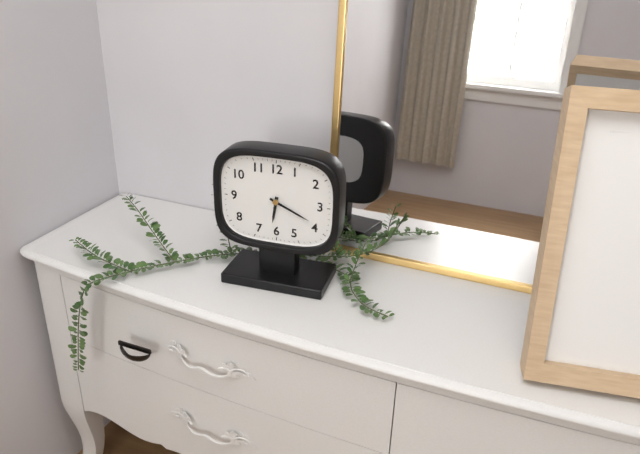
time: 6:19
